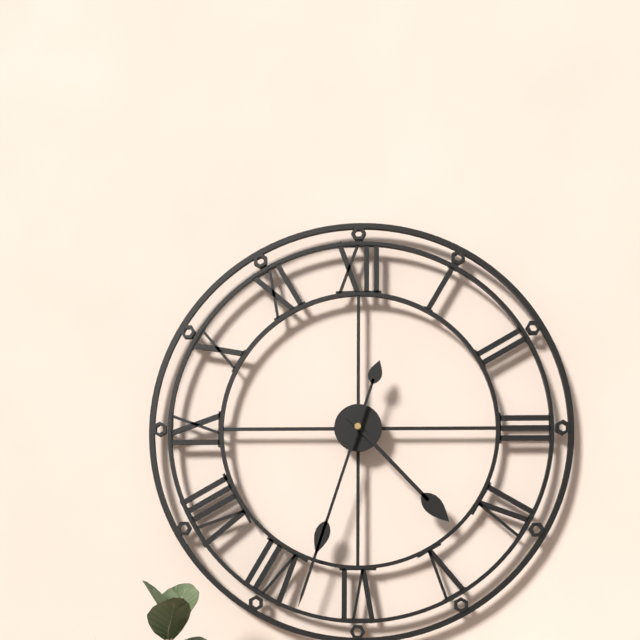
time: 4:33
